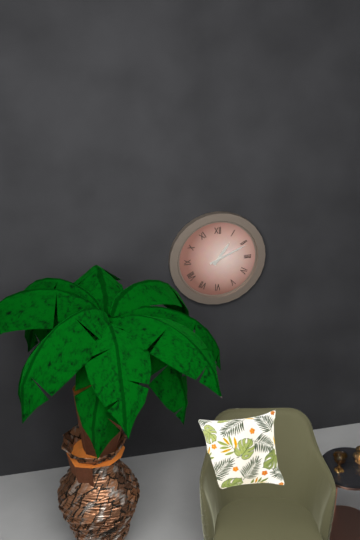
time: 1:11
